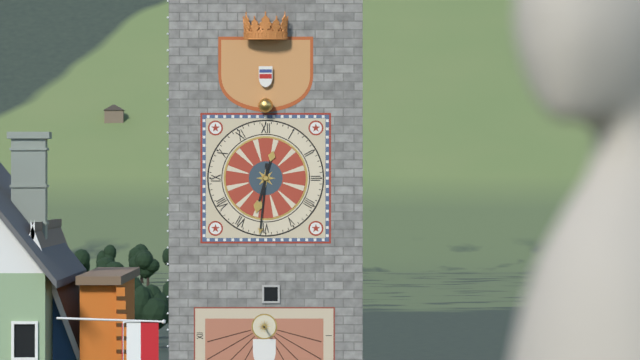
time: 6:31
